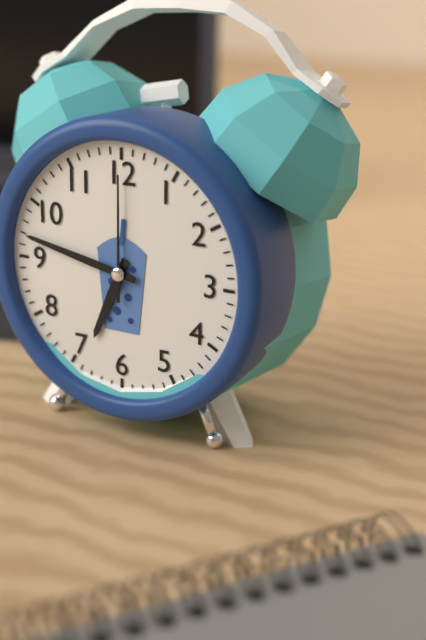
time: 6:47:00
